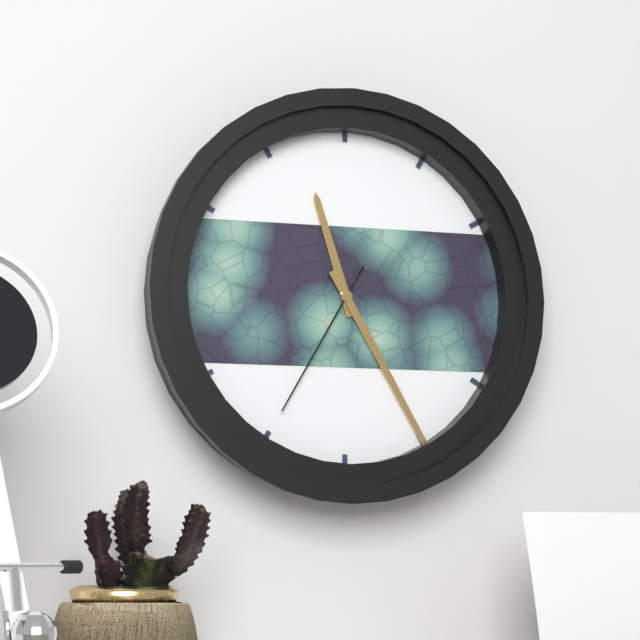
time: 11:25:35
